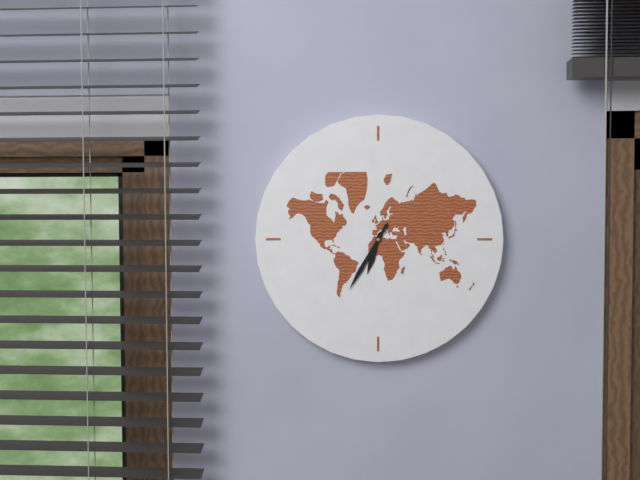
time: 6:35
